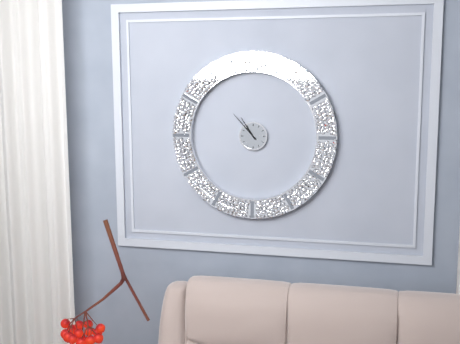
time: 10:53
